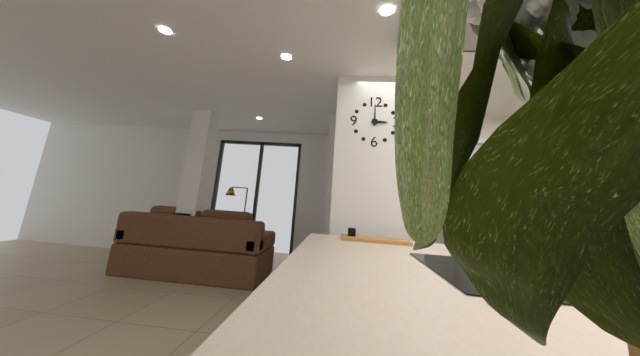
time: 3:00
